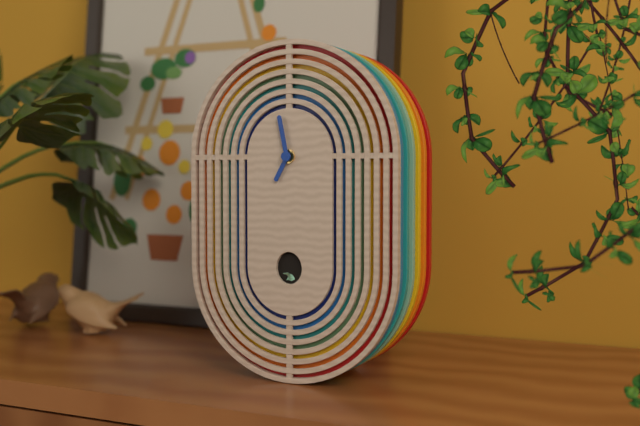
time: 6:58
